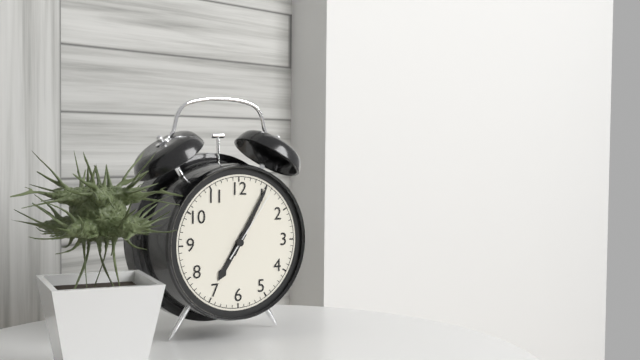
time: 7:05:06
